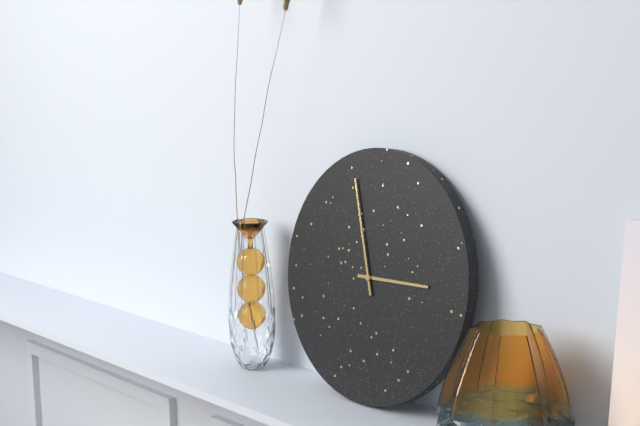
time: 2:57
